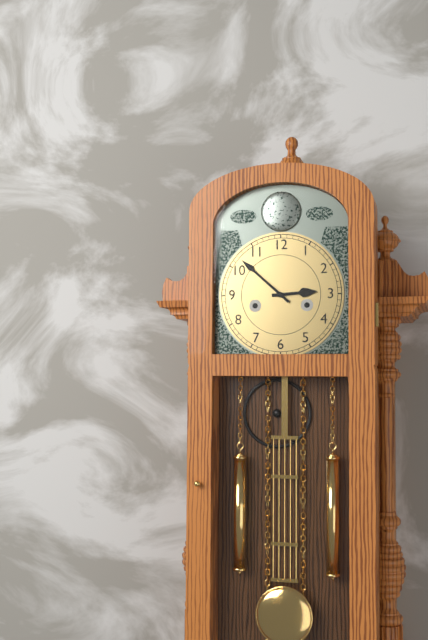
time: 2:52
